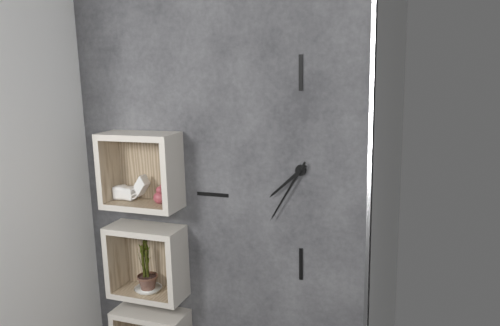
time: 7:35
